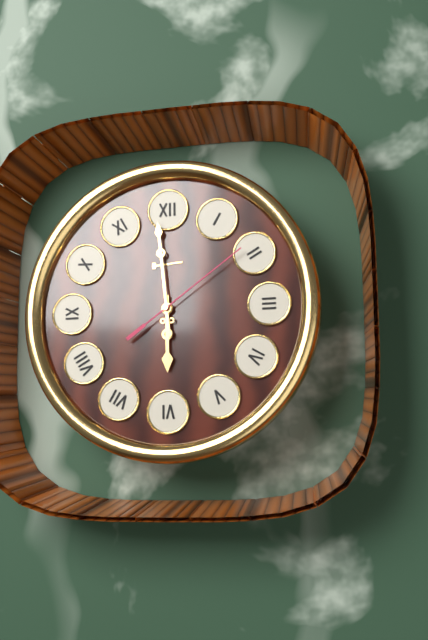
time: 5:59:09
